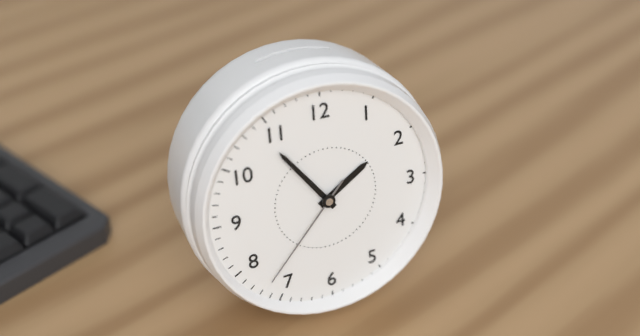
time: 1:54:37
